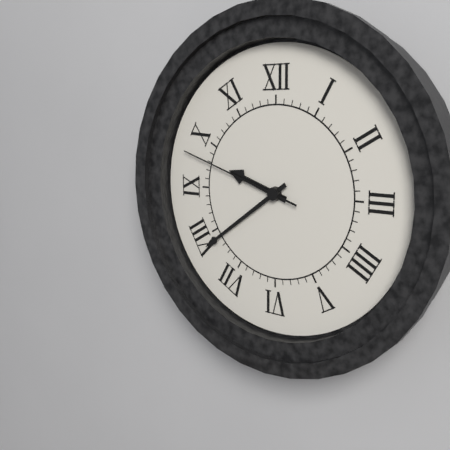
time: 9:39:48
